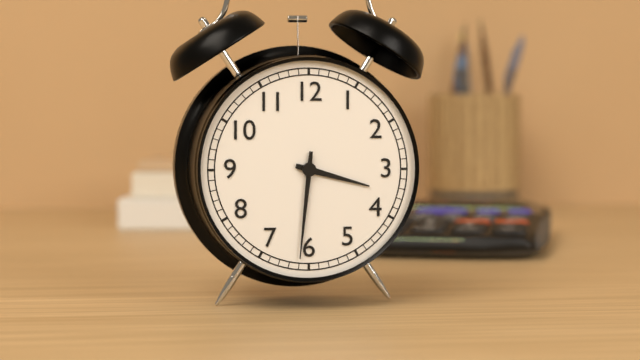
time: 3:31
